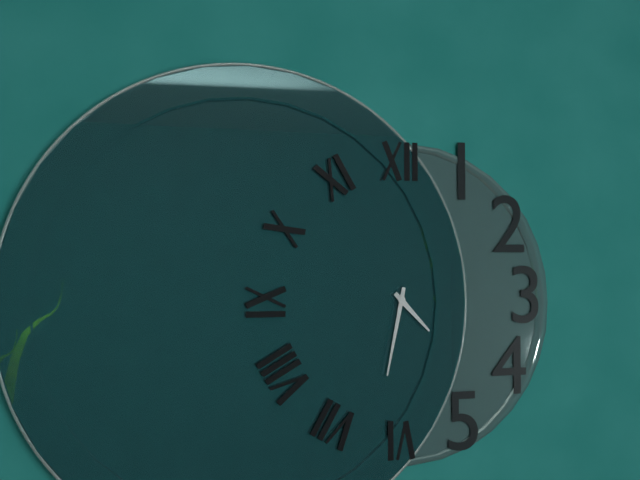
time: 4:32
